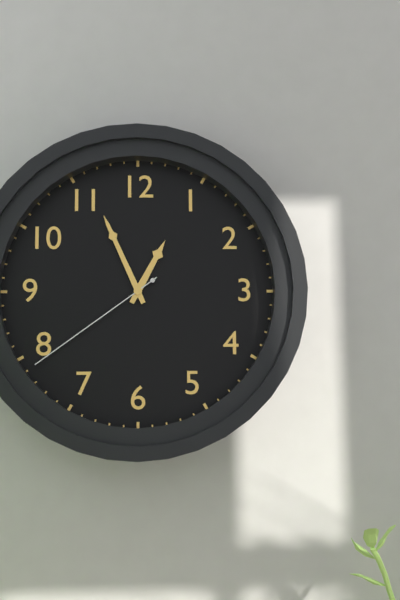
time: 12:56:39
